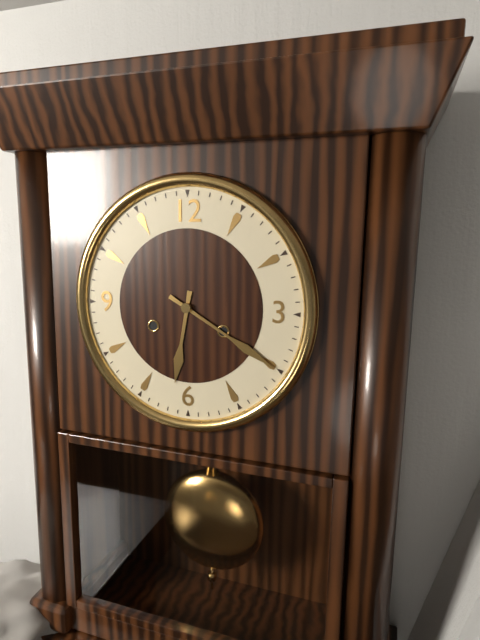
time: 6:20
